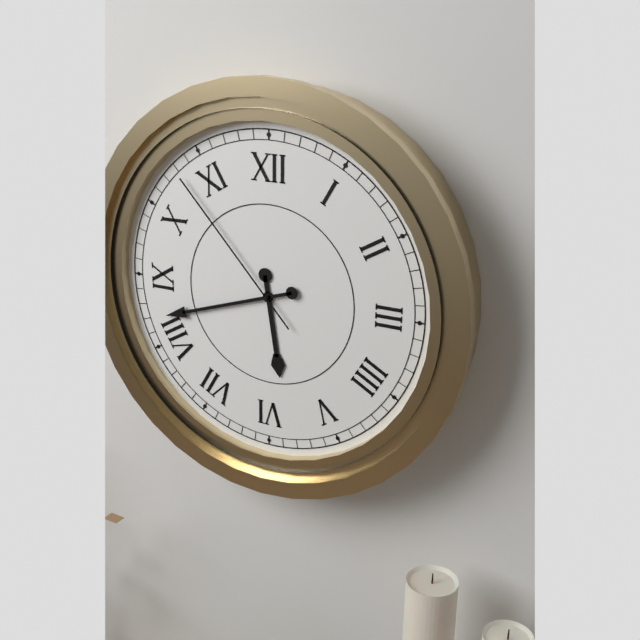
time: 5:42:53
